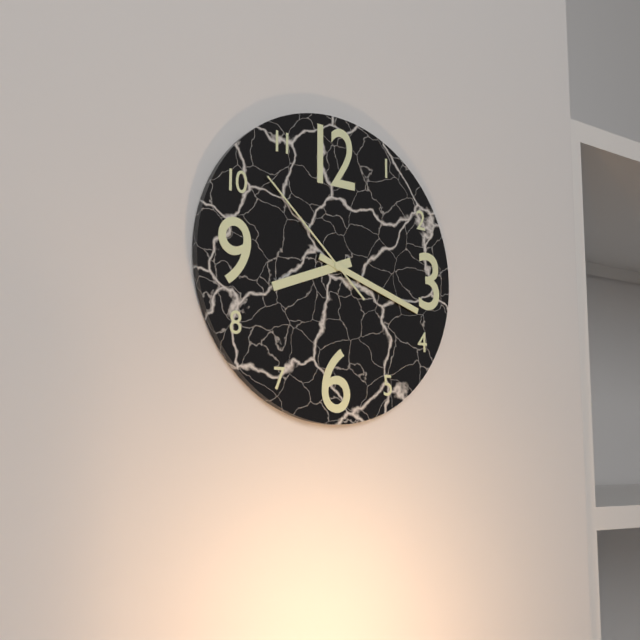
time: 8:18:52
